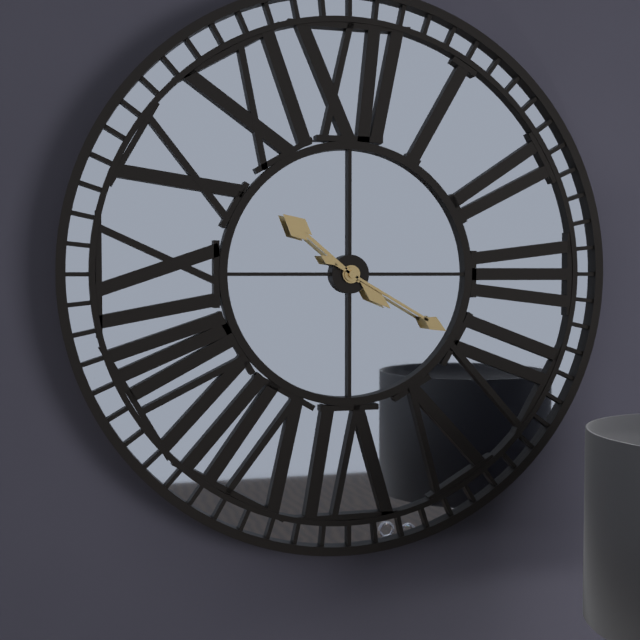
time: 10:20
